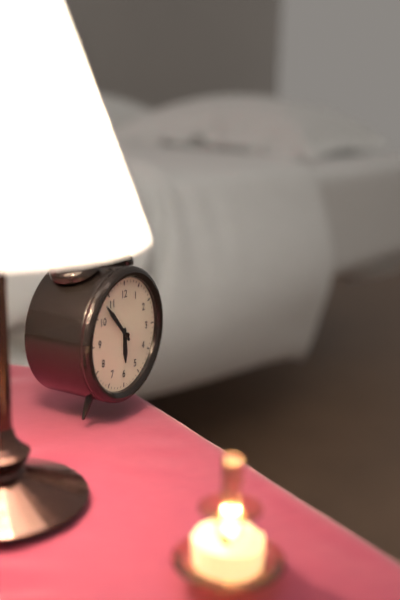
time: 5:53
